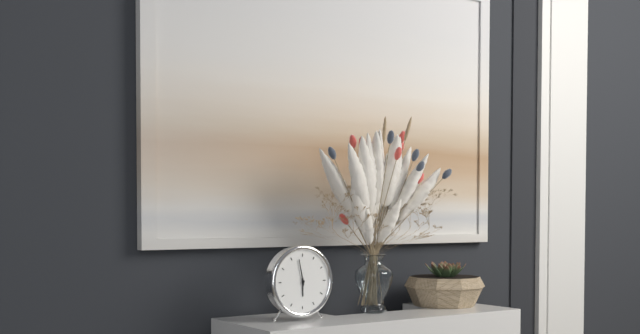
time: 5:58
